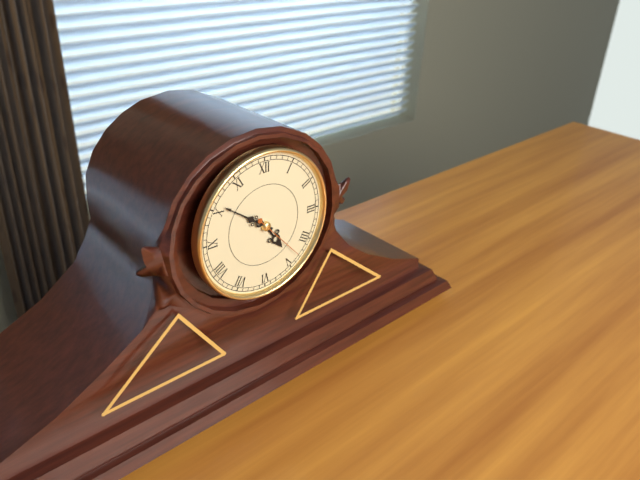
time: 4:51:23
